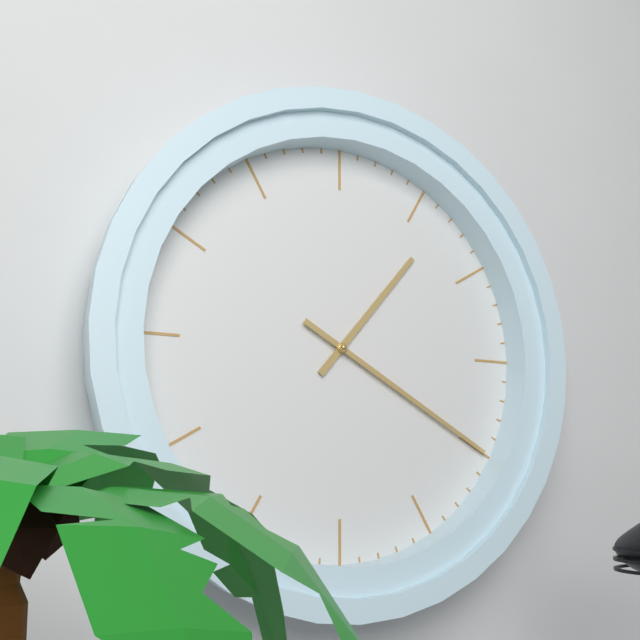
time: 1:20
